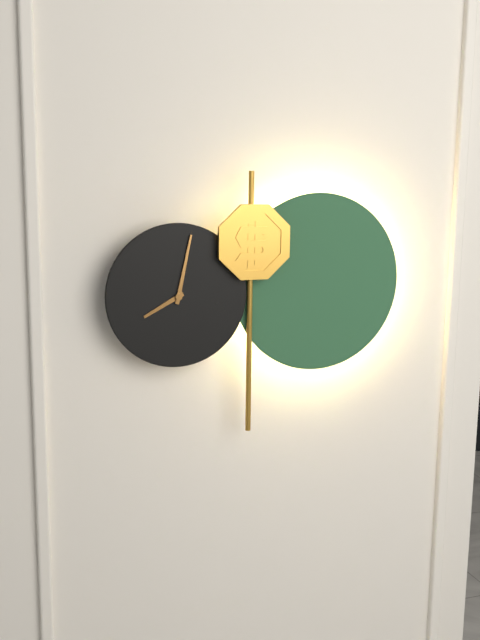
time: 8:02
